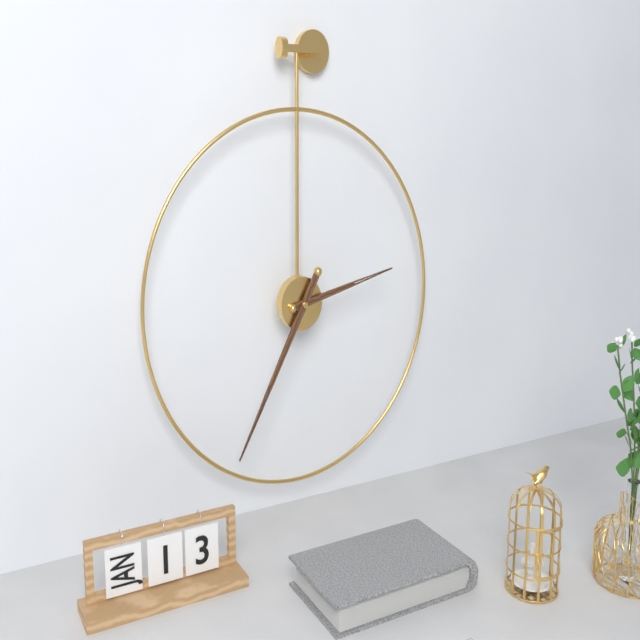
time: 2:35
